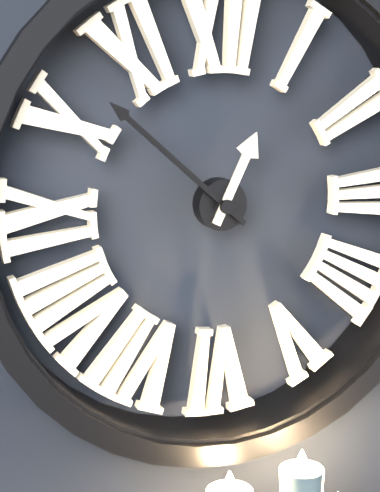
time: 12:52
